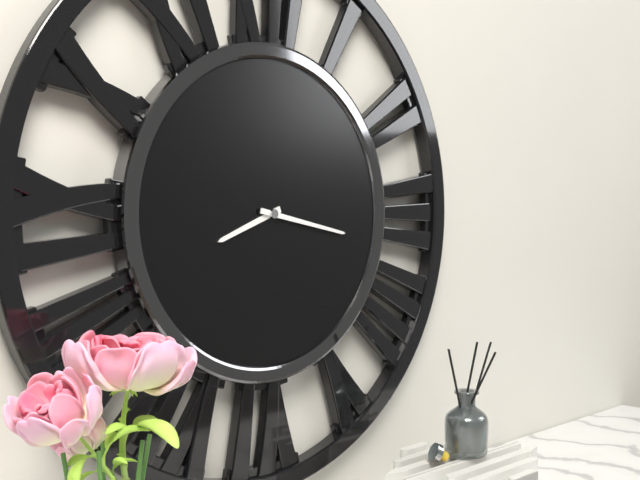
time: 8:17
